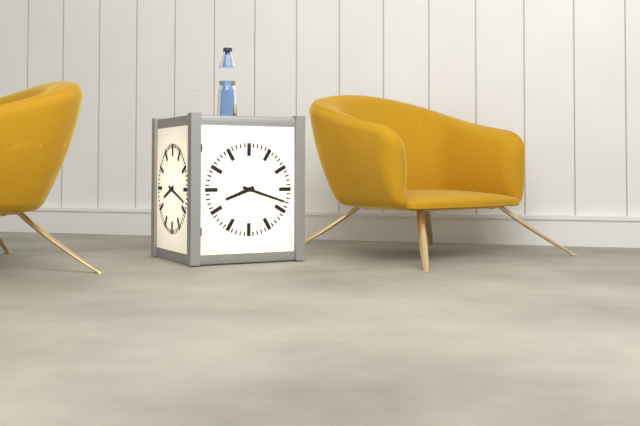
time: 8:18
